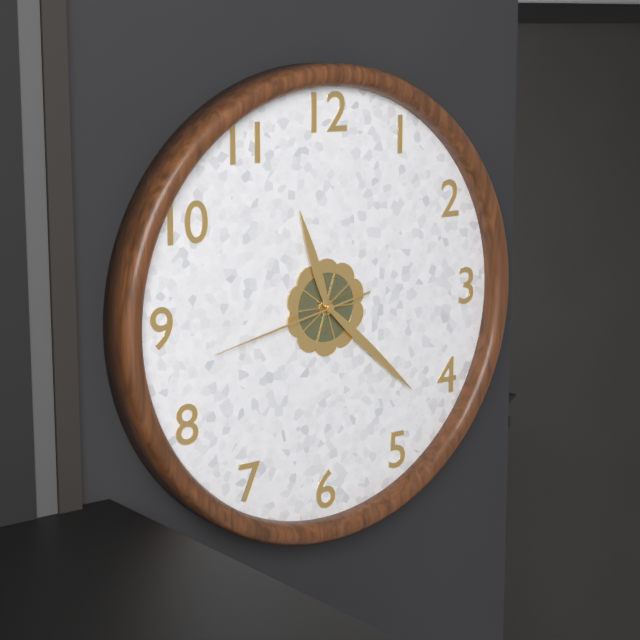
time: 11:22:43
